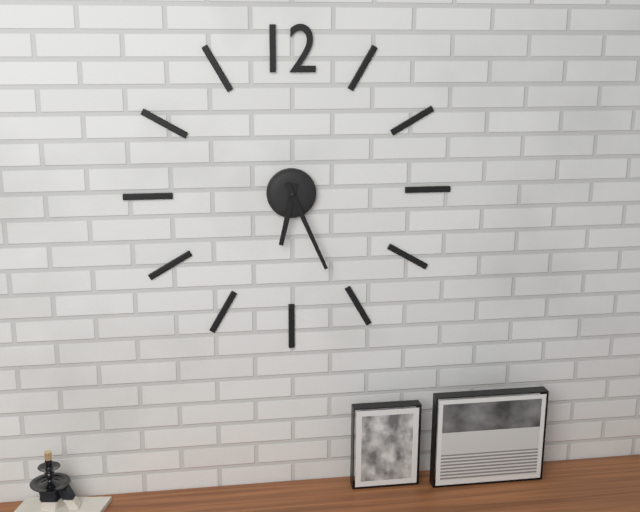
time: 6:26
